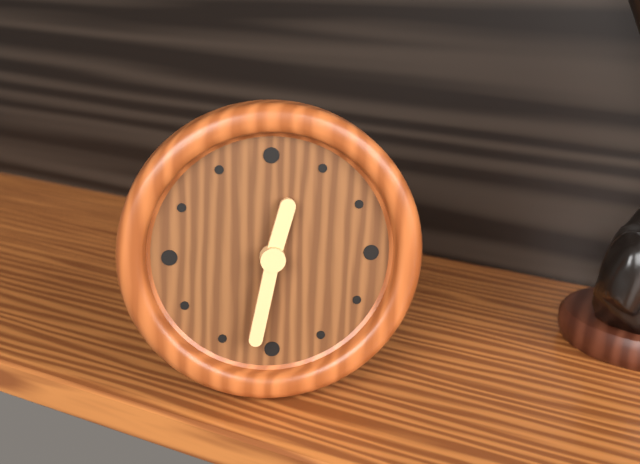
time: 12:32
